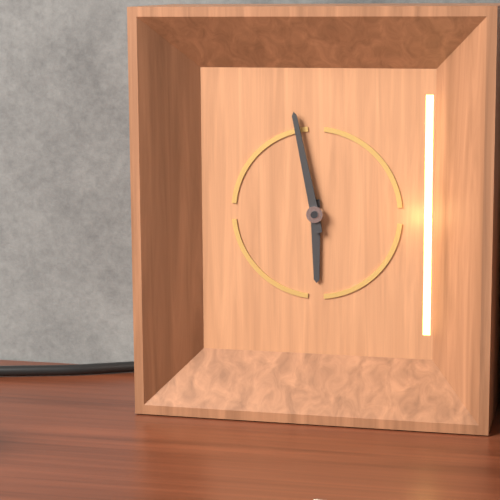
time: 5:58
